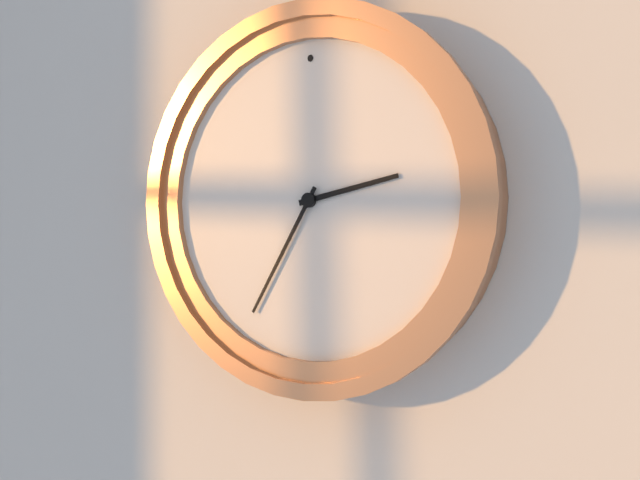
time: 2:35
